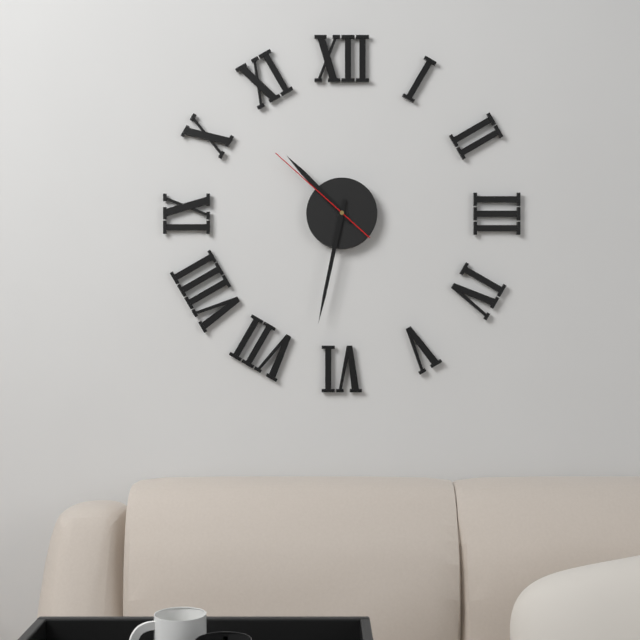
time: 10:32:52
